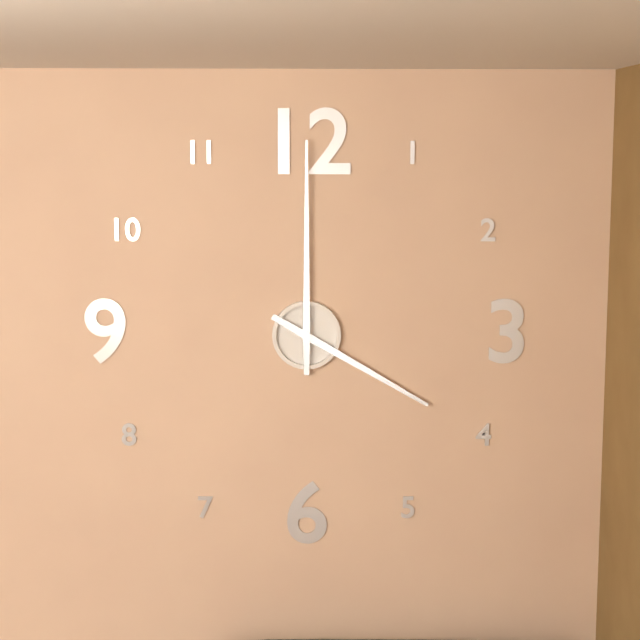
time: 4:00
